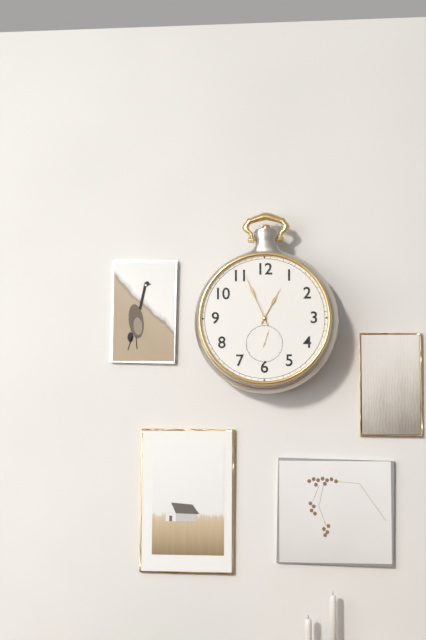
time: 12:56
